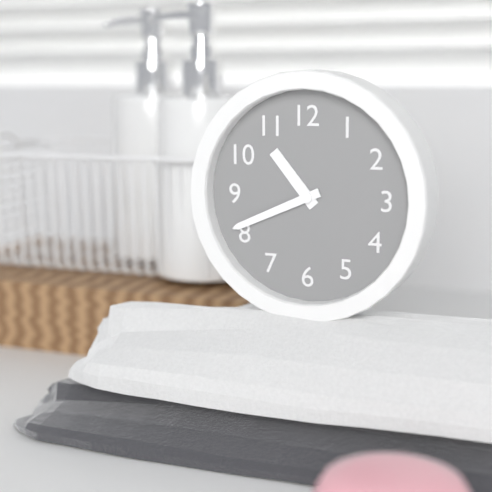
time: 10:41
